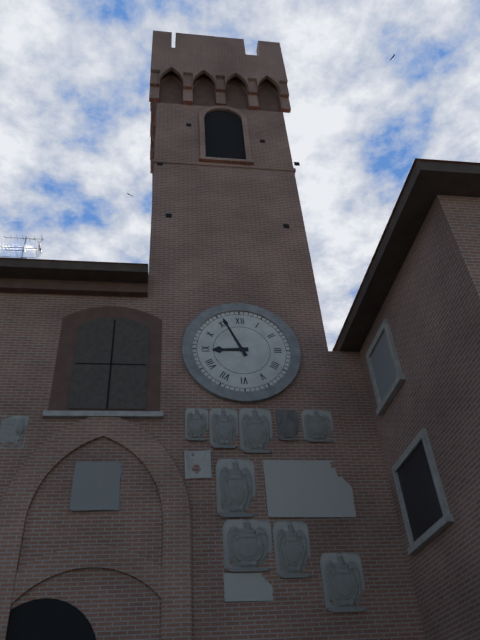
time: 8:56
